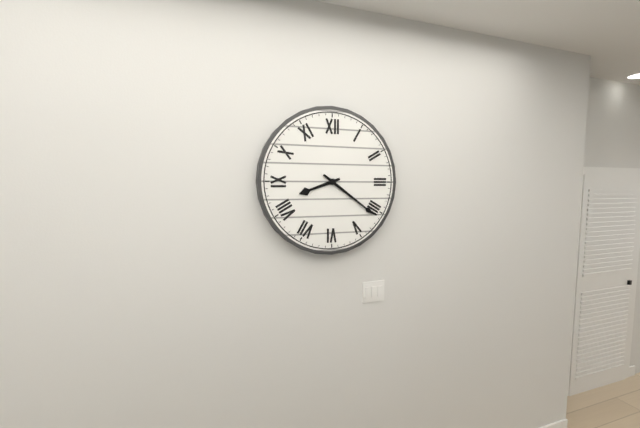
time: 8:21
